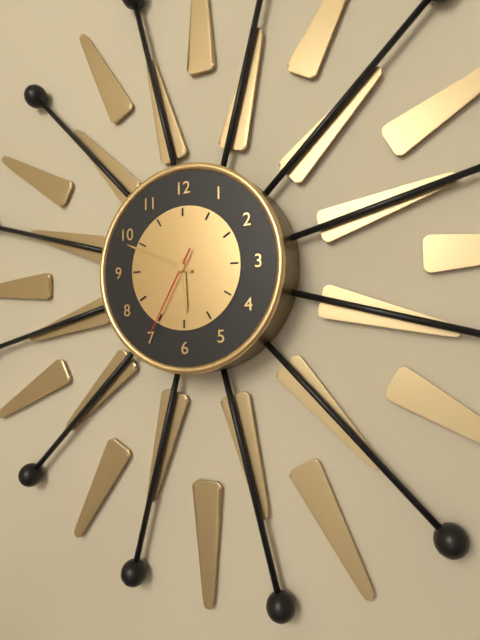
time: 5:49:35
